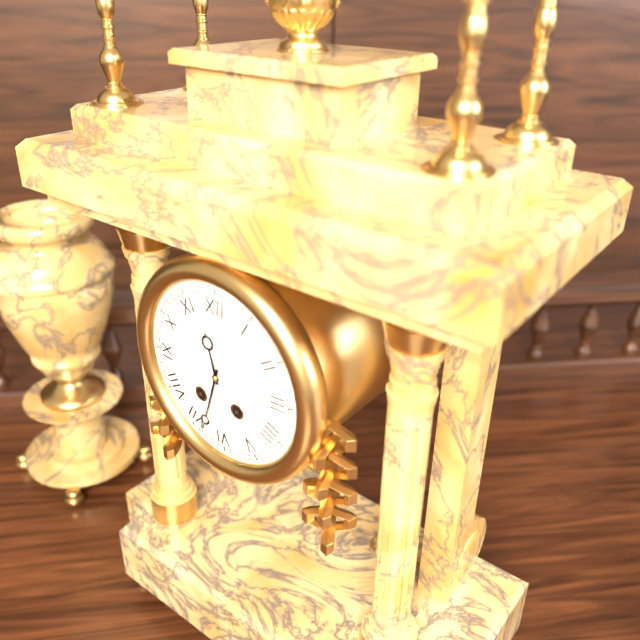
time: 11:33
